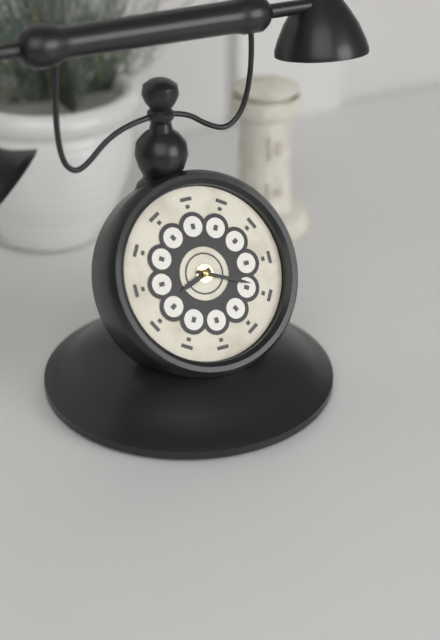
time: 8:19
